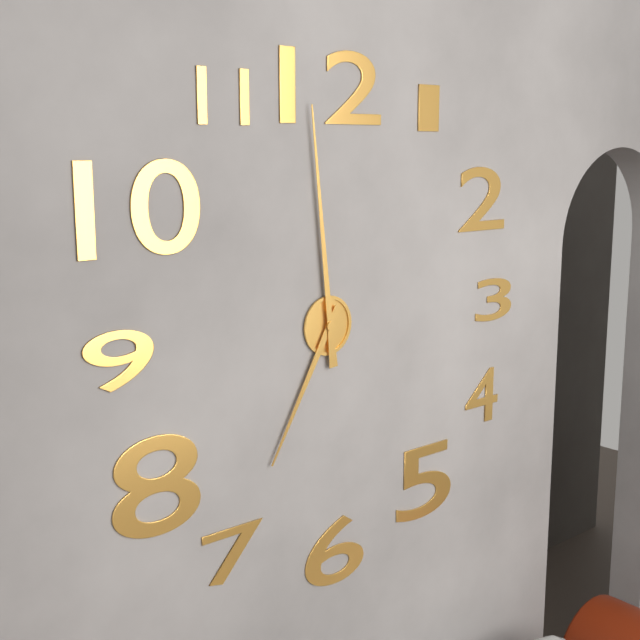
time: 6:59
